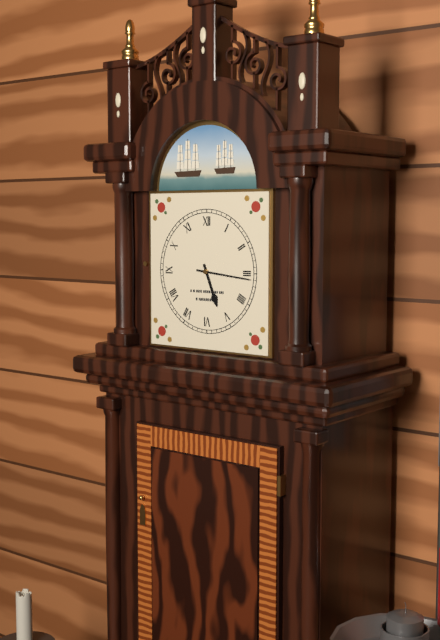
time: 5:16
